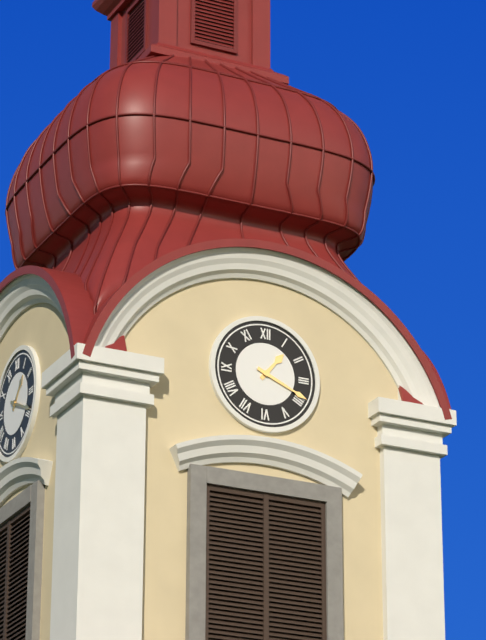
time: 1:19
